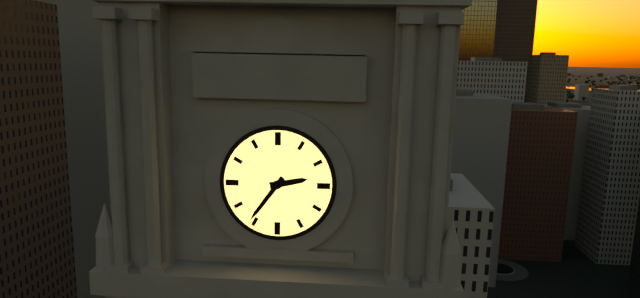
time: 2:36
